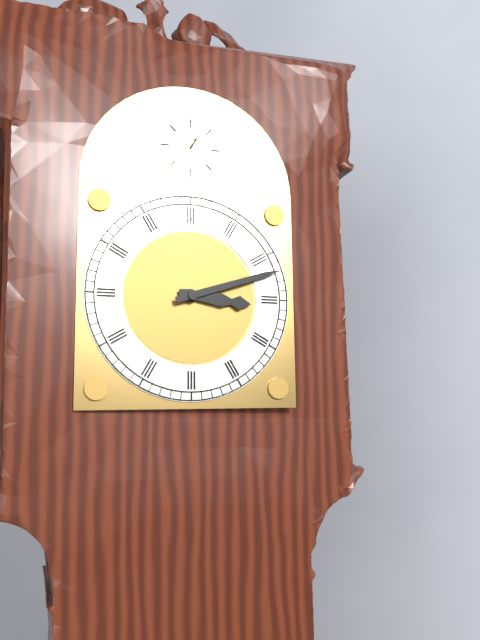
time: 3:12
